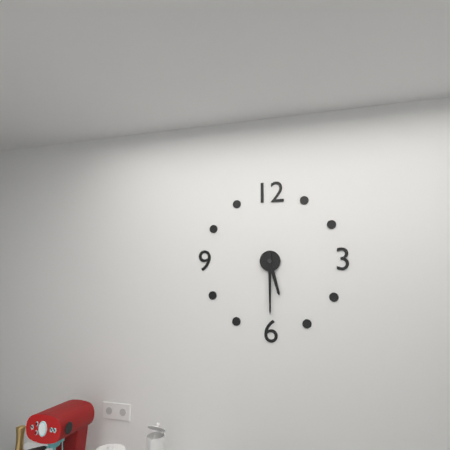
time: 5:30
